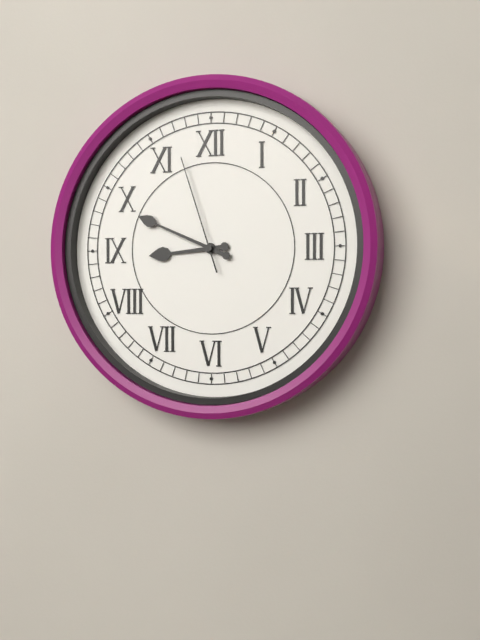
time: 8:49:57
